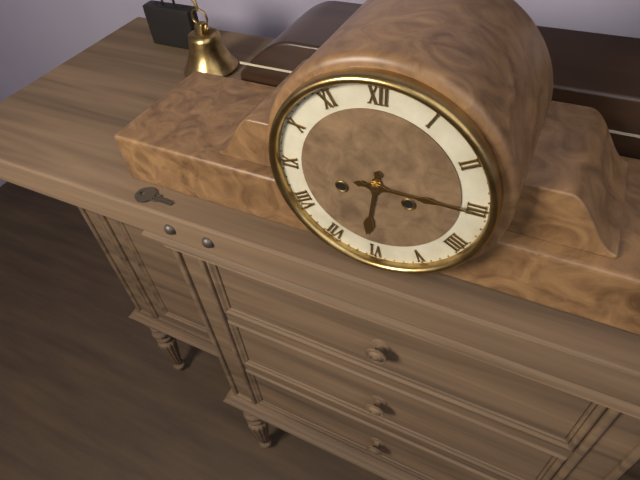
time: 6:15
